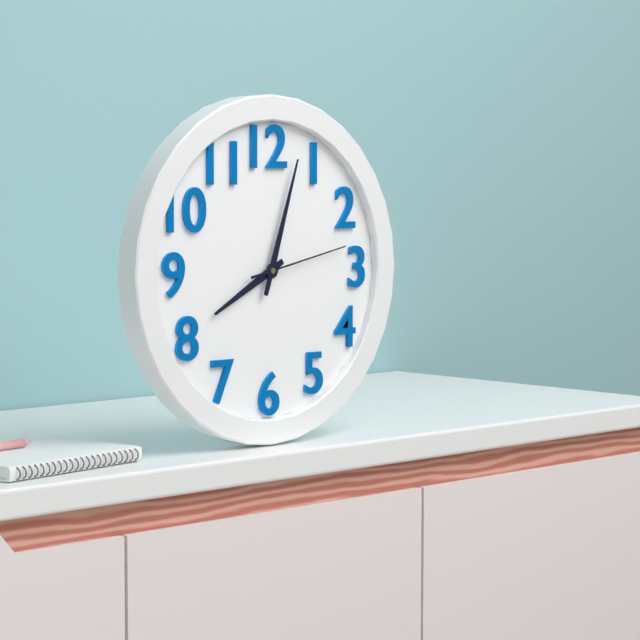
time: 8:03:13
